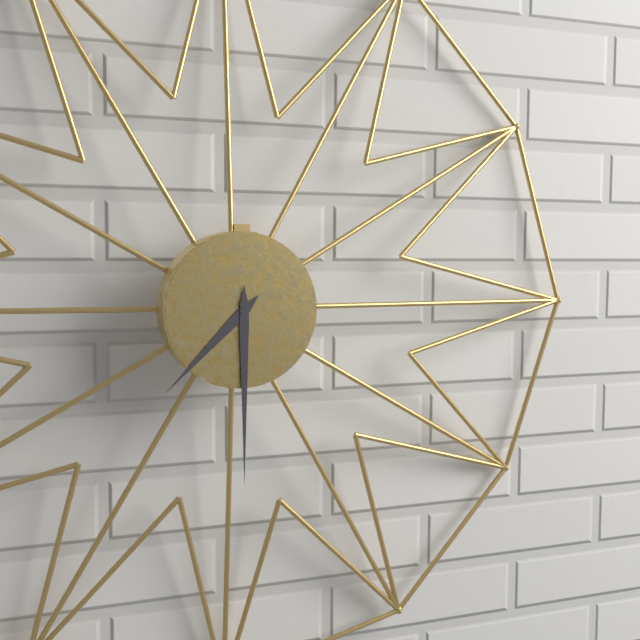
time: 7:30
